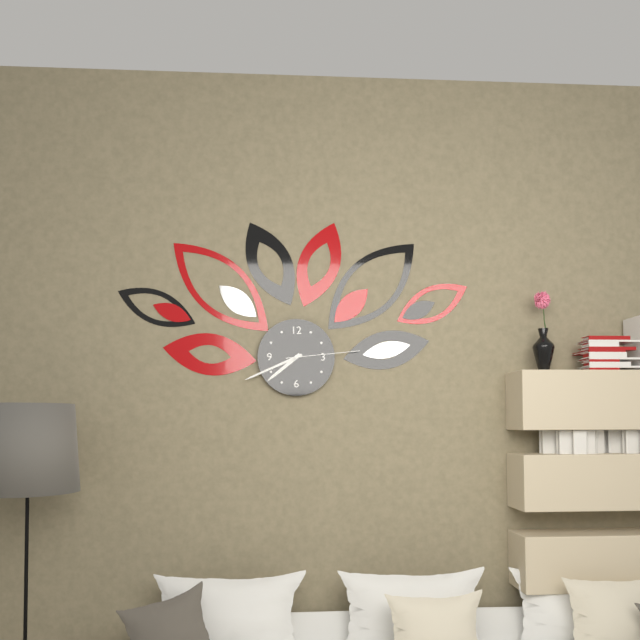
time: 7:41:14
